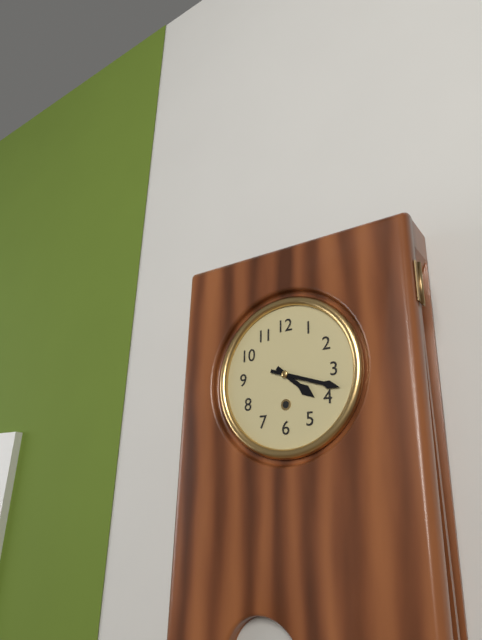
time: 4:18
